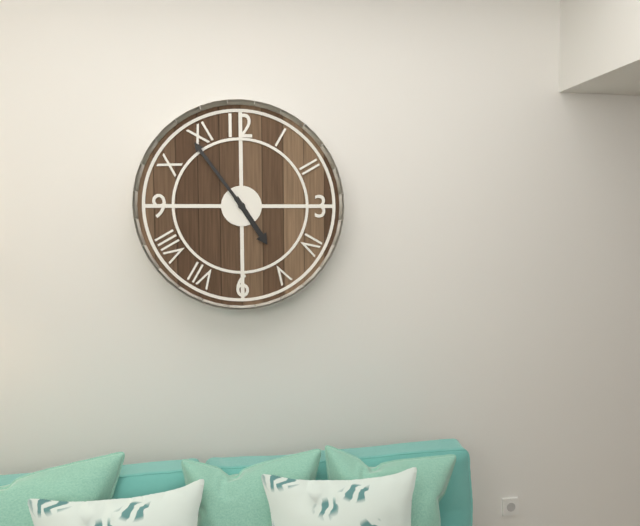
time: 4:54
